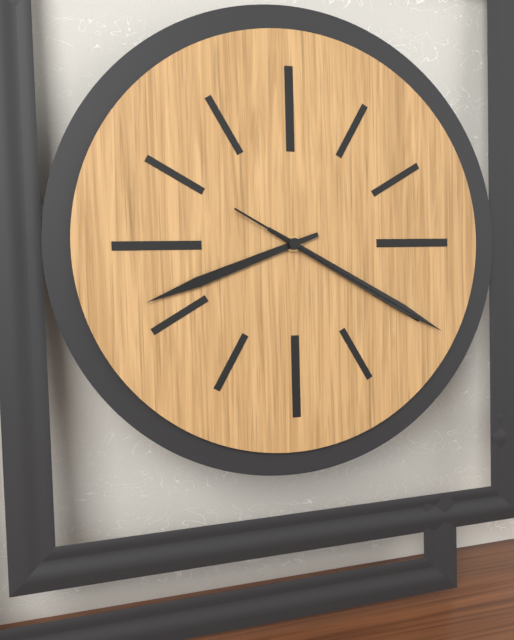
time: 8:20:20
